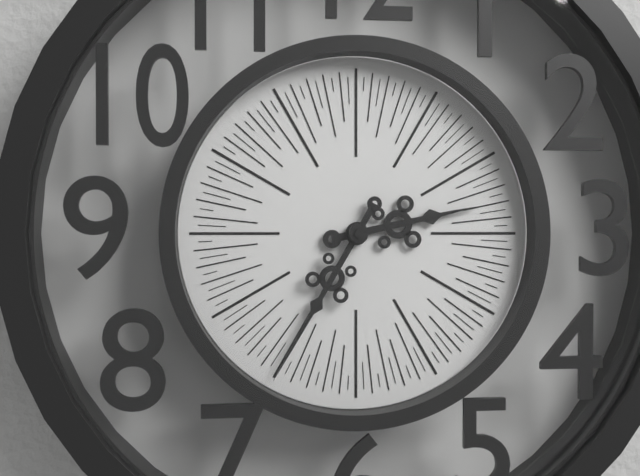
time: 2:35
